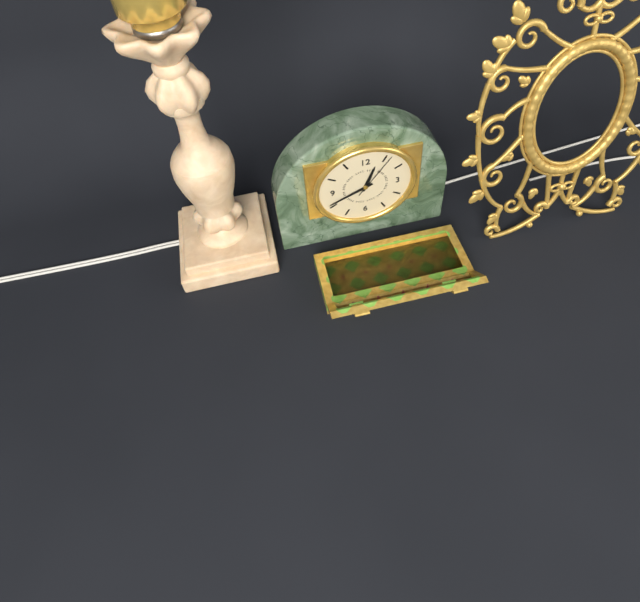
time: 12:41:06
